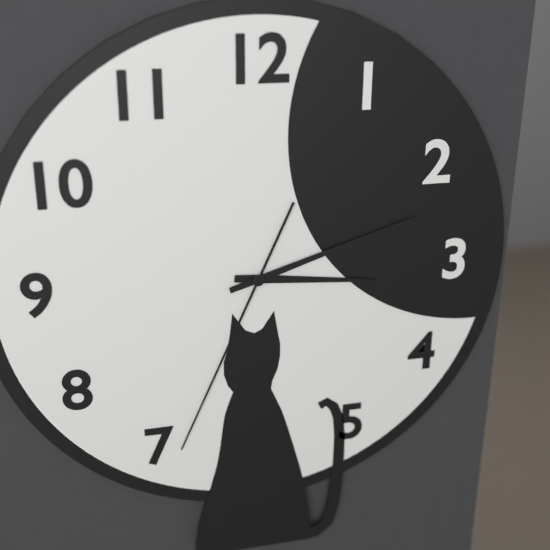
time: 3:12:34
